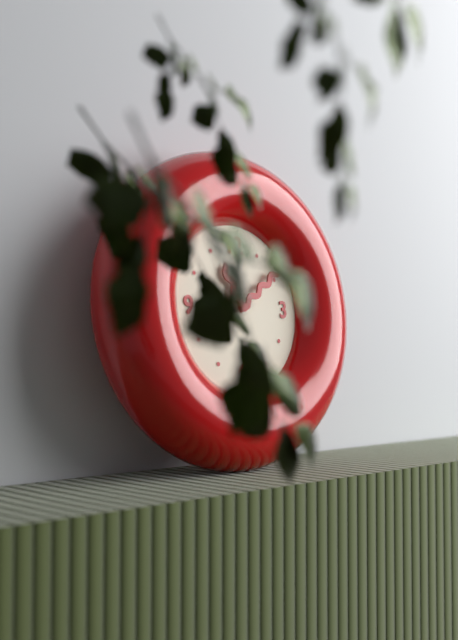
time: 11:09
